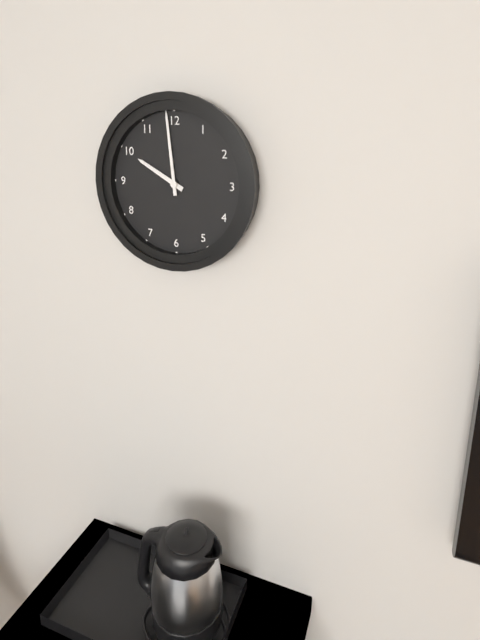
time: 9:59
